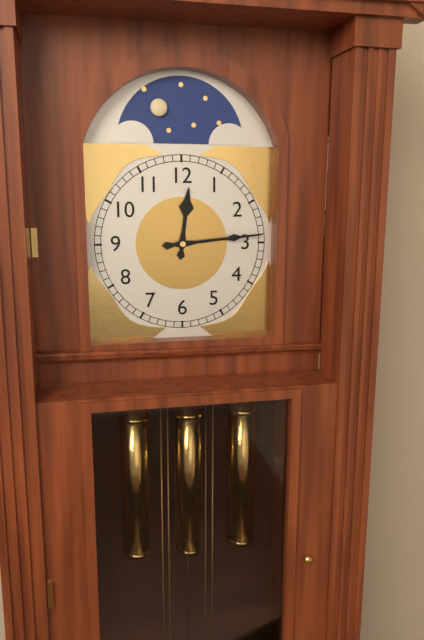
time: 12:14
